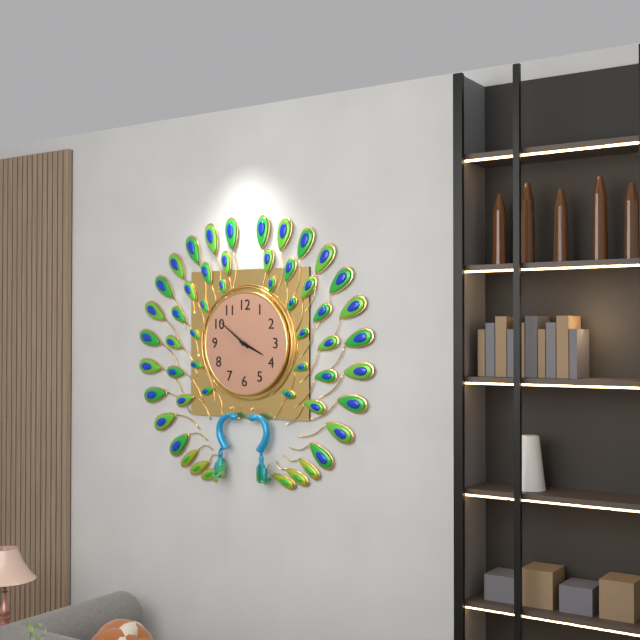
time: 3:51
